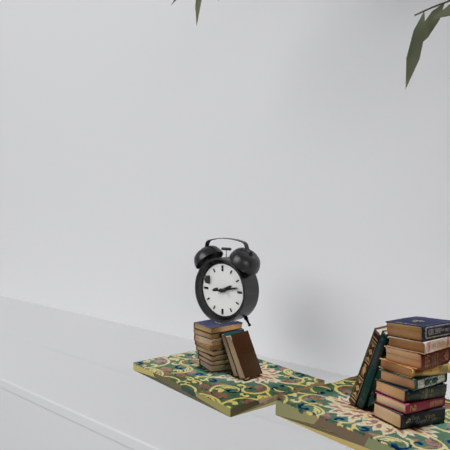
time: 2:13
